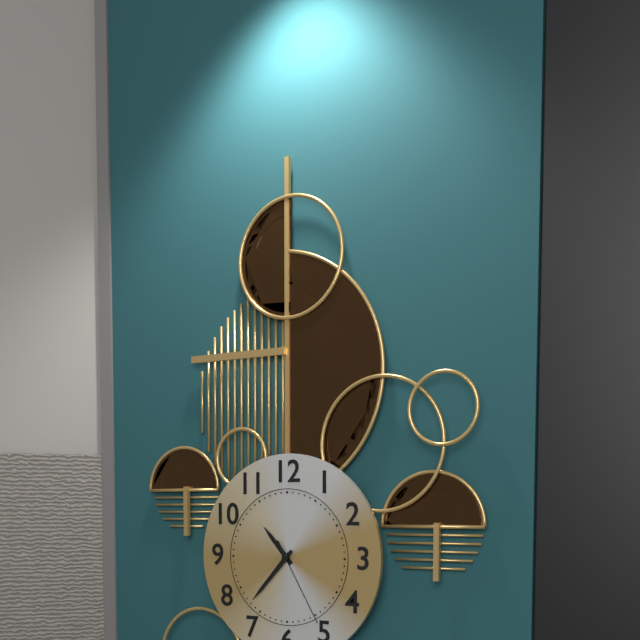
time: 10:37:25
